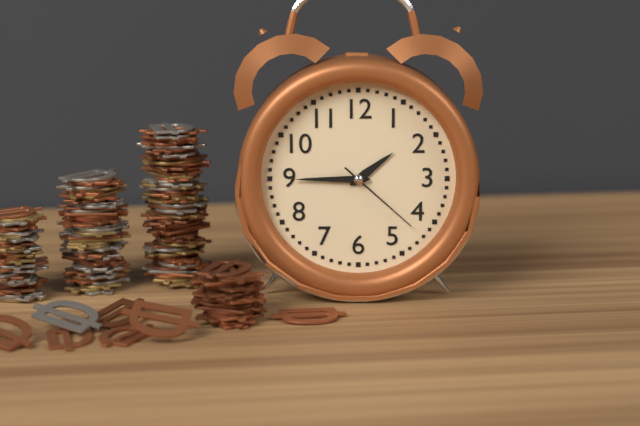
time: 1:45:22
